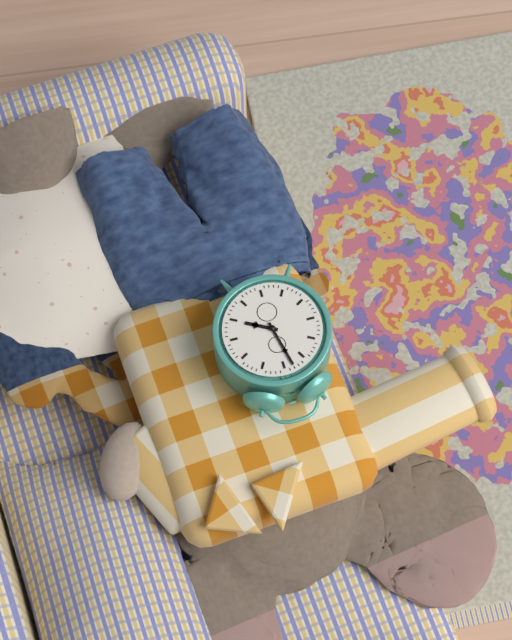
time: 3:58
